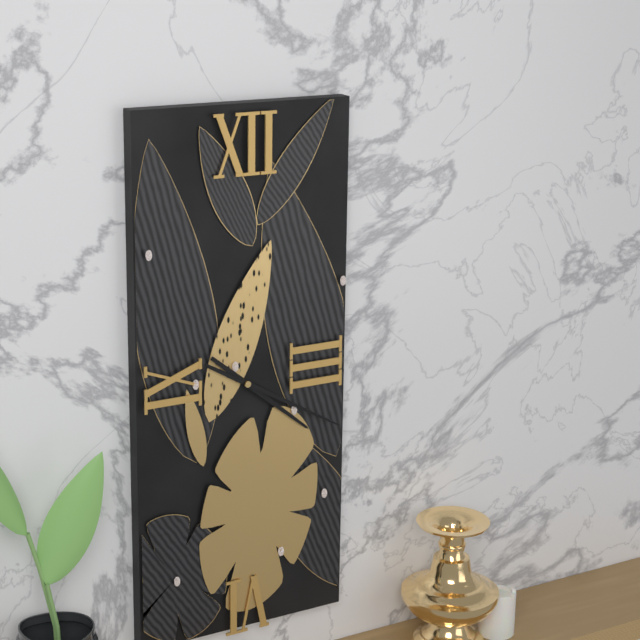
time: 4:20
